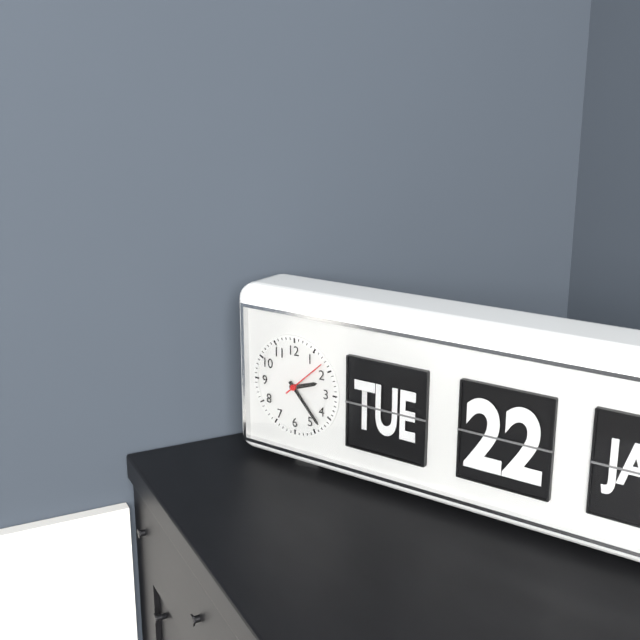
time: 2:23
